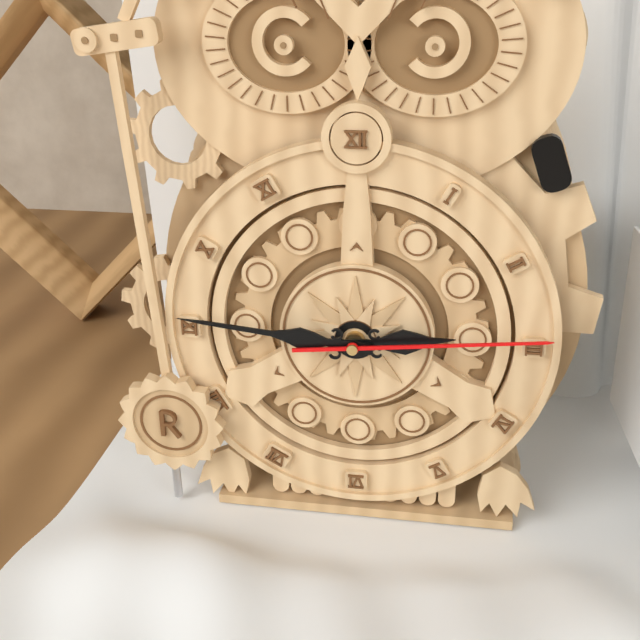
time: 2:46:14
